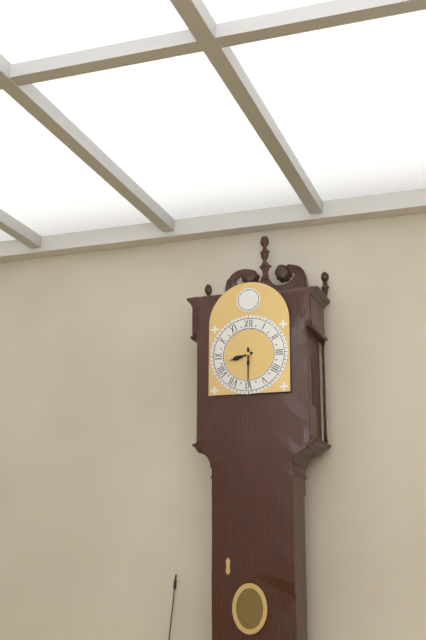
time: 8:30
